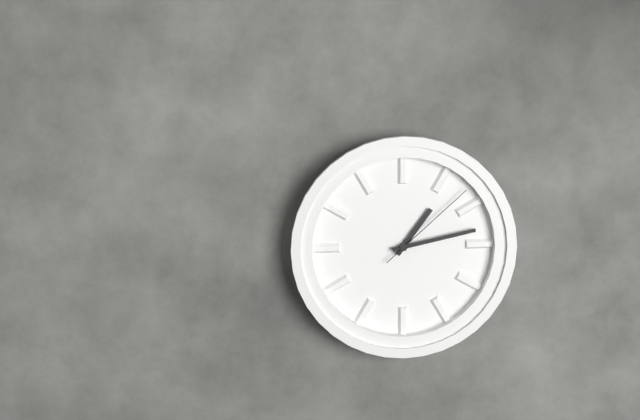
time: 1:13:08
